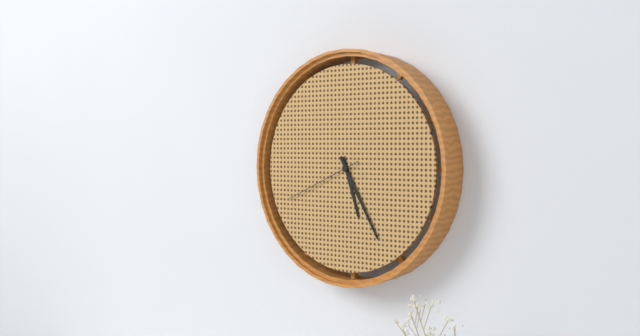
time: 5:25:41
